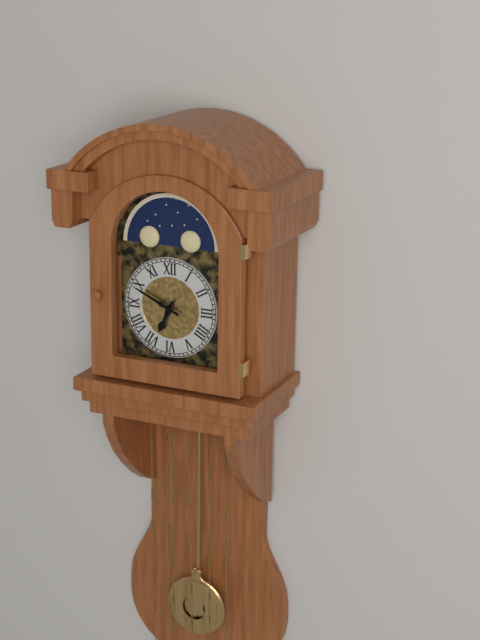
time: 6:49
